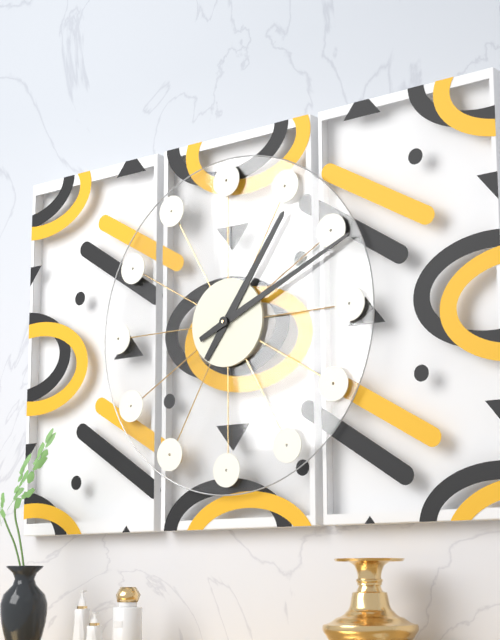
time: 1:11
